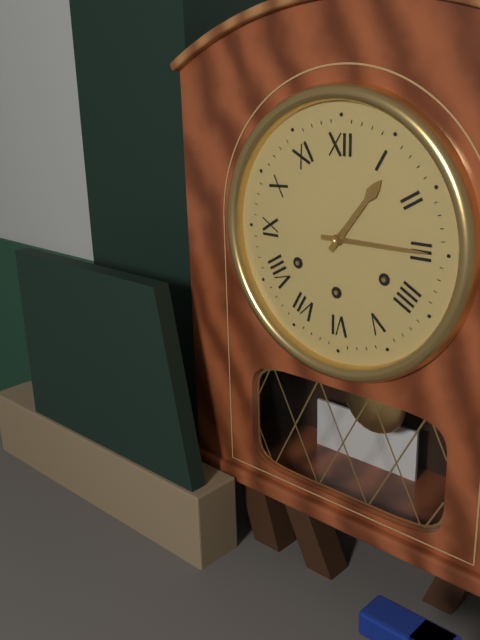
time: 1:15
